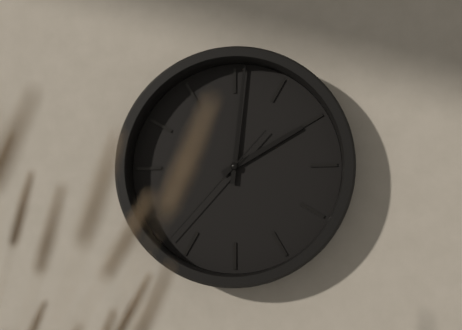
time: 2:01:37
